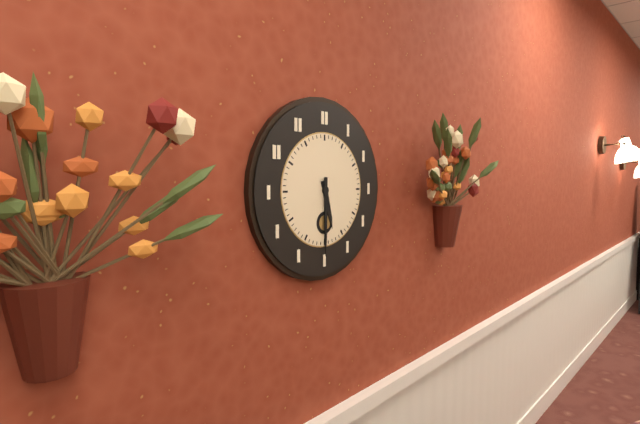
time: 5:30
